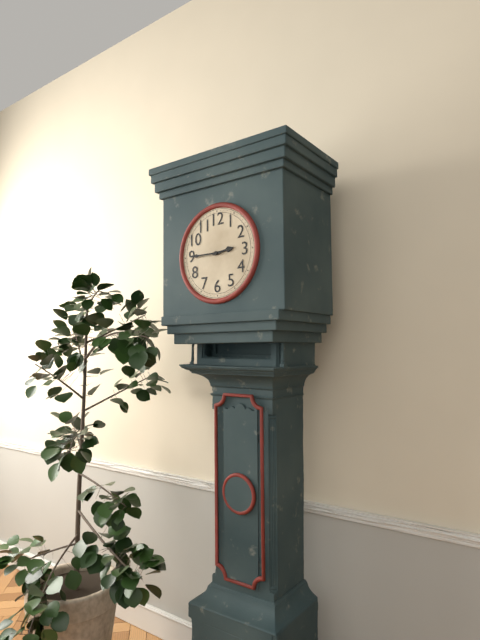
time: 2:45
